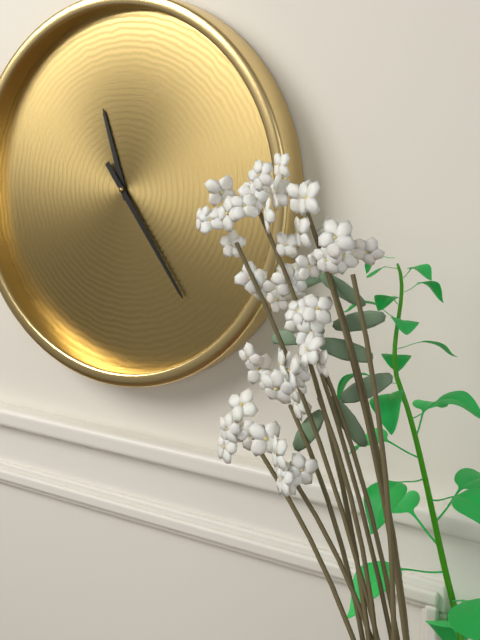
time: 11:24
